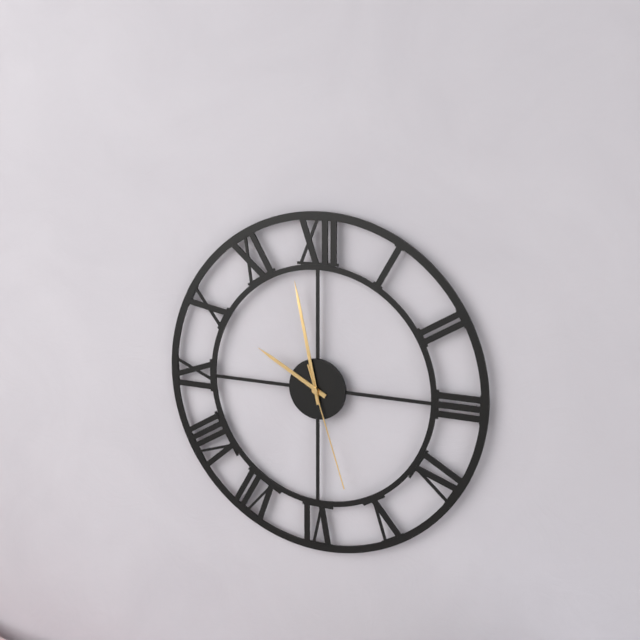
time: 9:58:27
